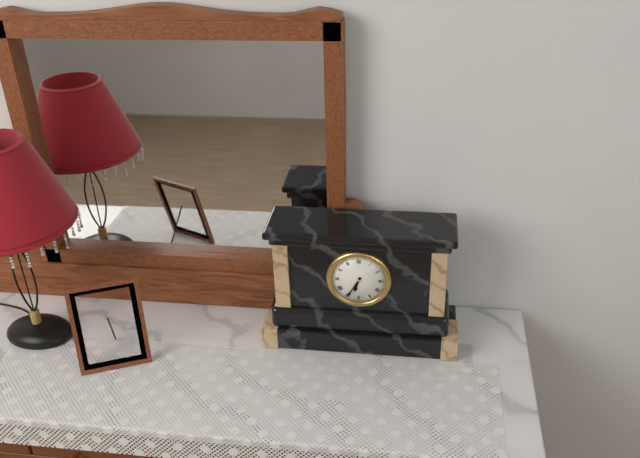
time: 6:35
